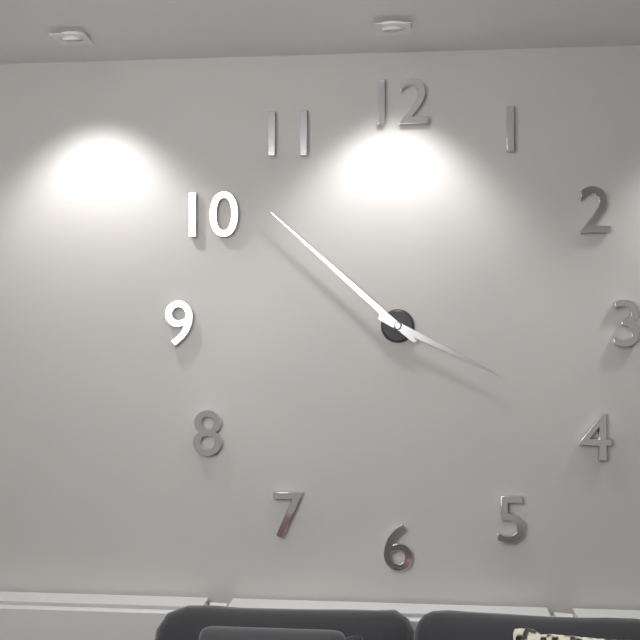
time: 3:52
